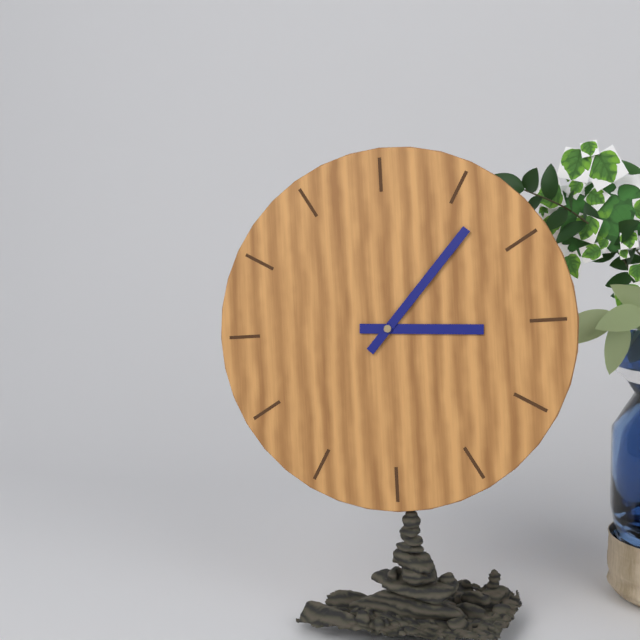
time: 3:07
